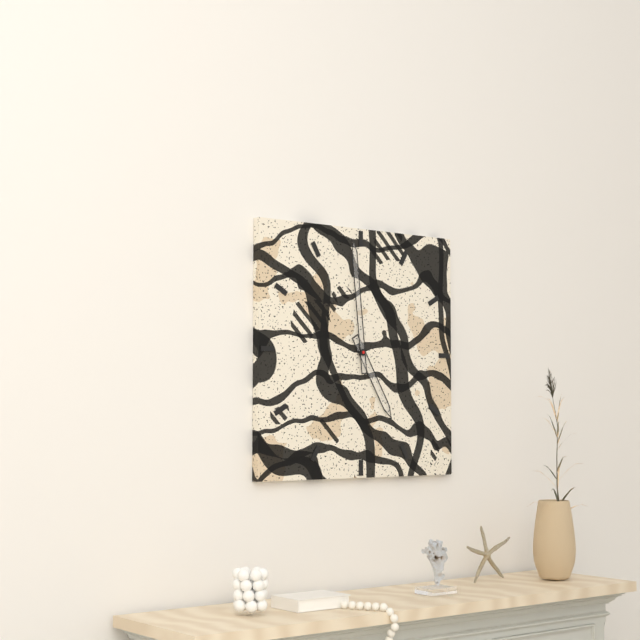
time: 4:59
